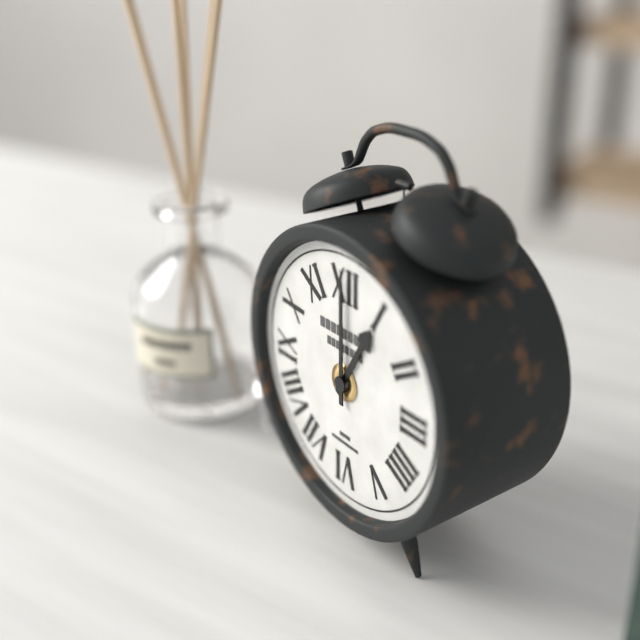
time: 1:00
